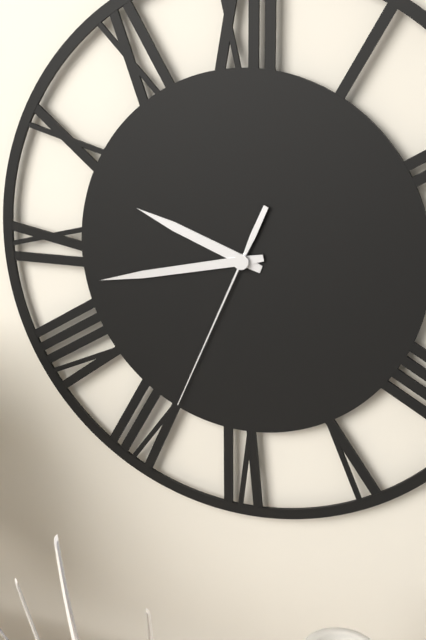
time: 9:43:34
